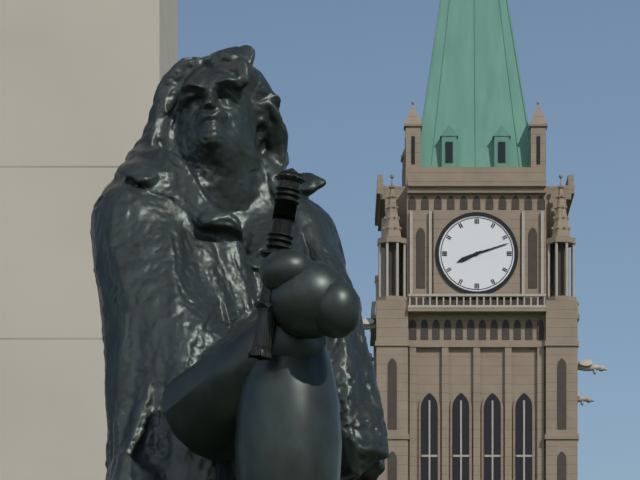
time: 8:12
